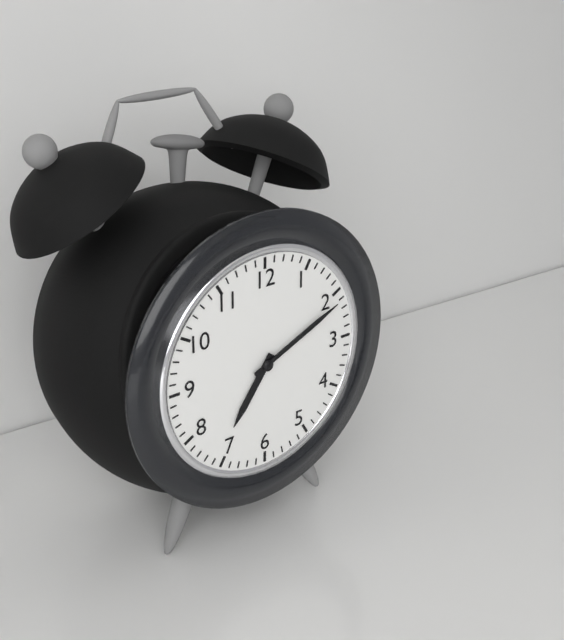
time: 7:11
